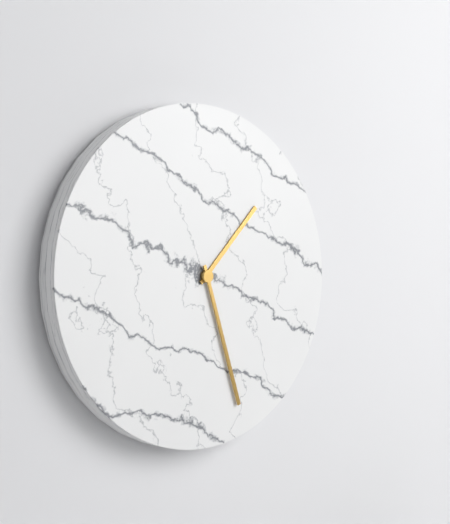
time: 1:27
